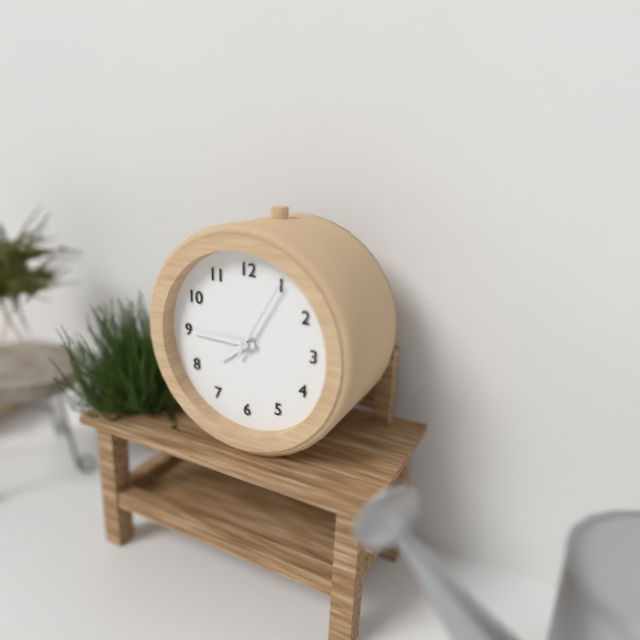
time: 7:45:05
